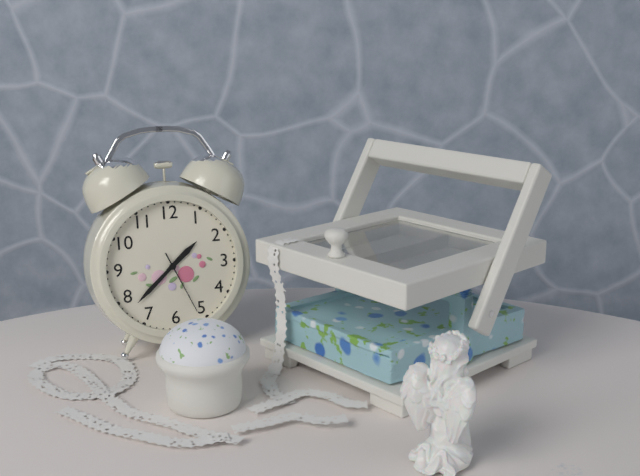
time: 1:38:26
